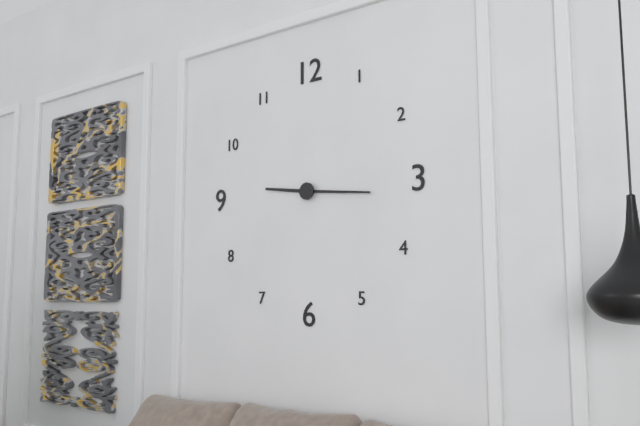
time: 9:16
